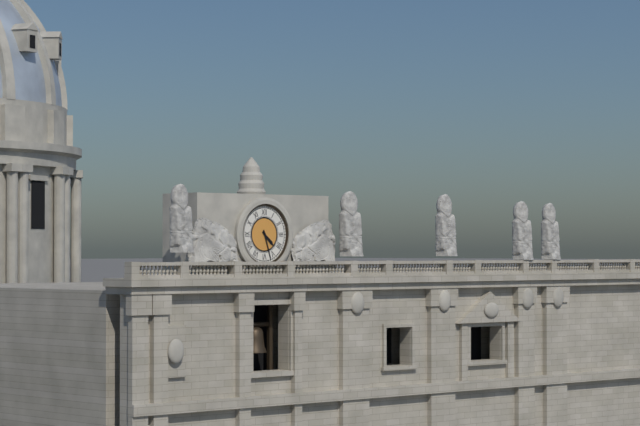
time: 4:27
